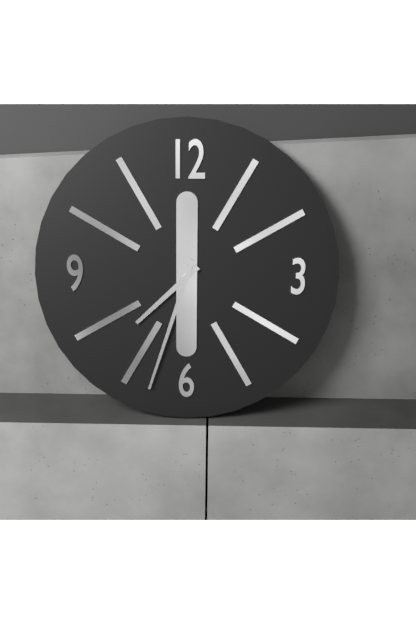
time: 7:33
